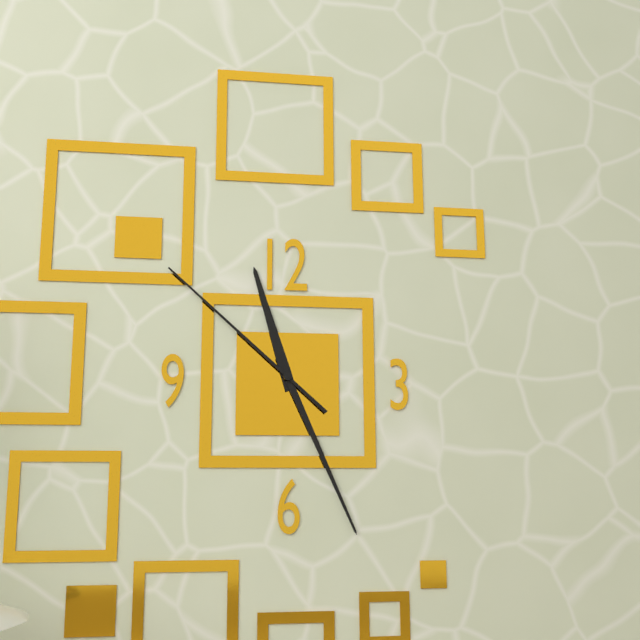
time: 11:26:52
